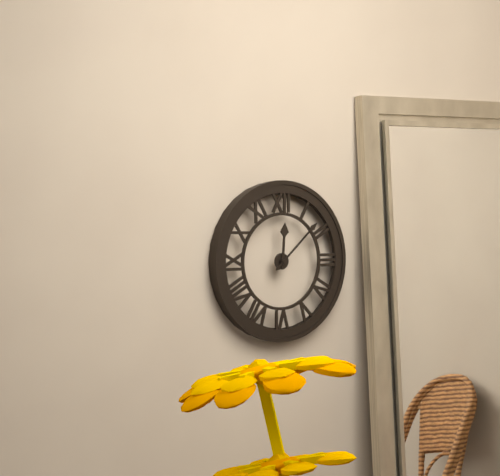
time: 12:08
